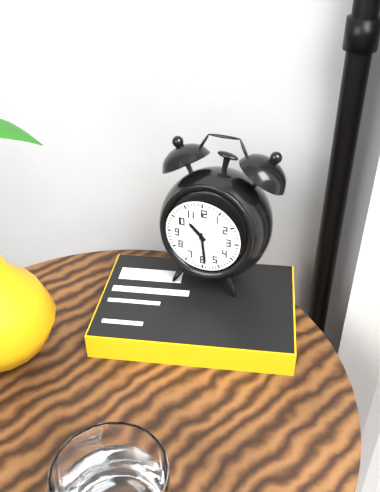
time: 10:29
